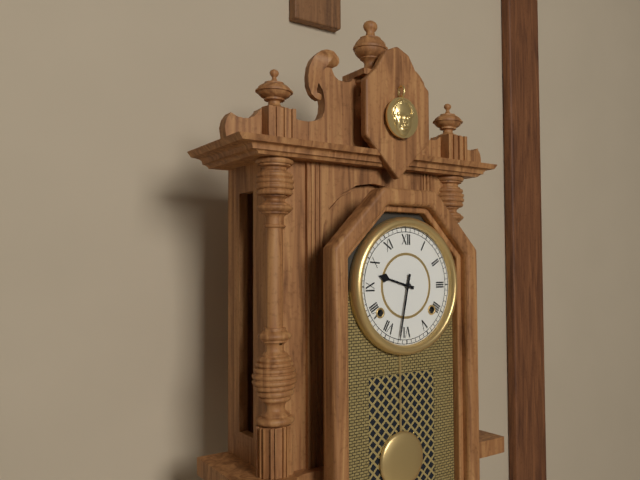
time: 9:32
